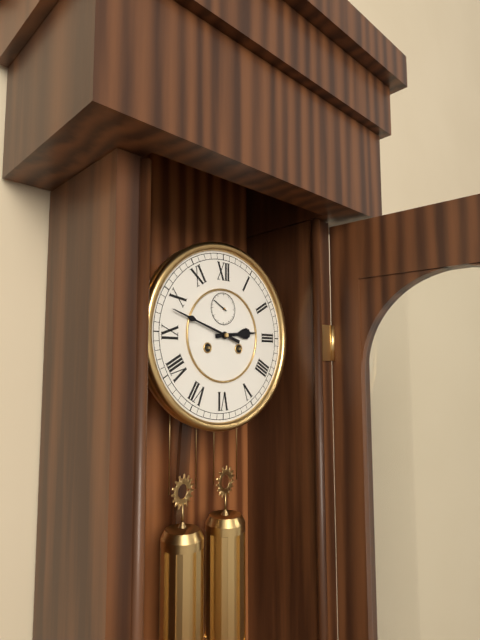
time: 2:48
